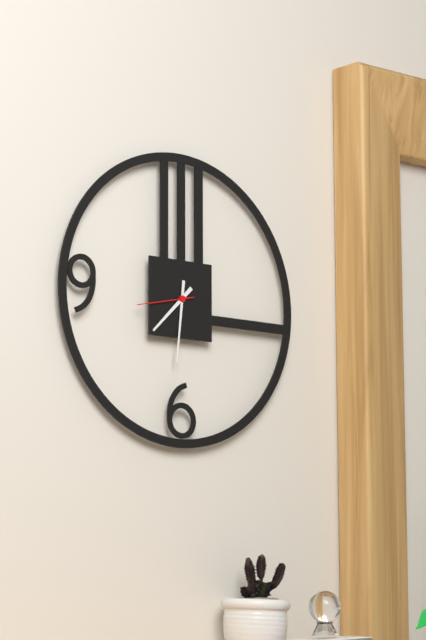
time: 7:31:43
